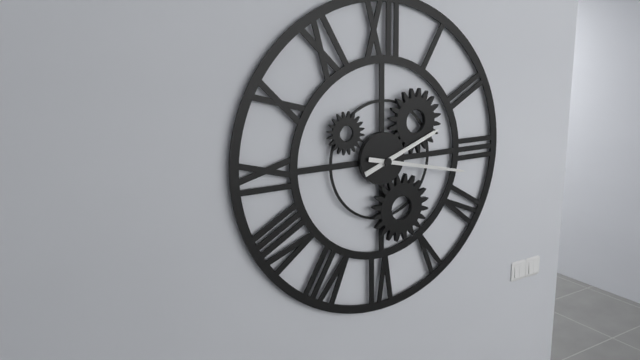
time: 2:17
